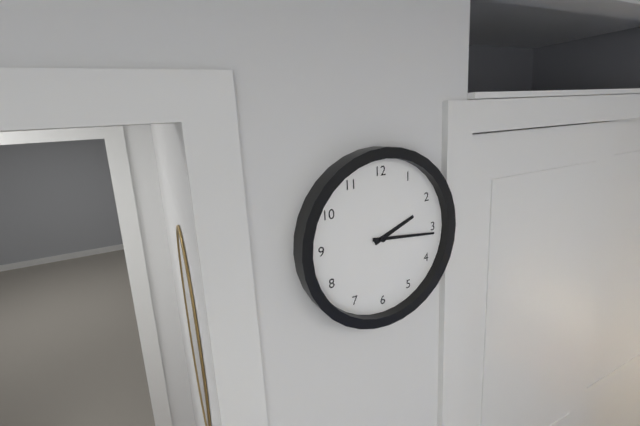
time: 2:16
